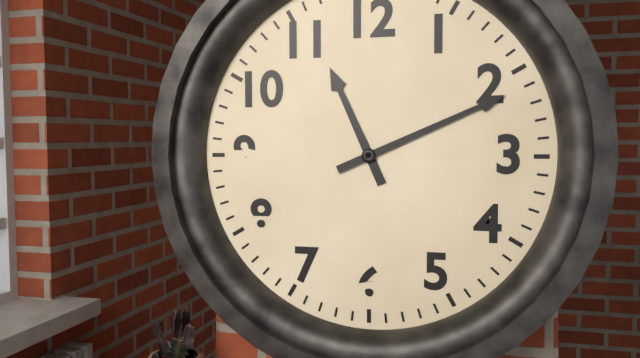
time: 11:11
